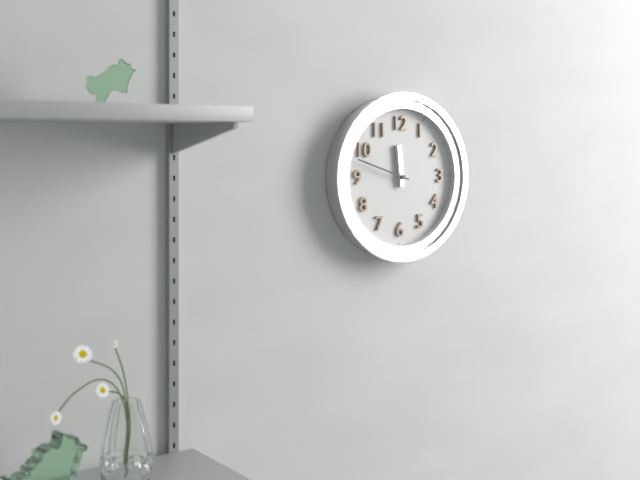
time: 11:48
